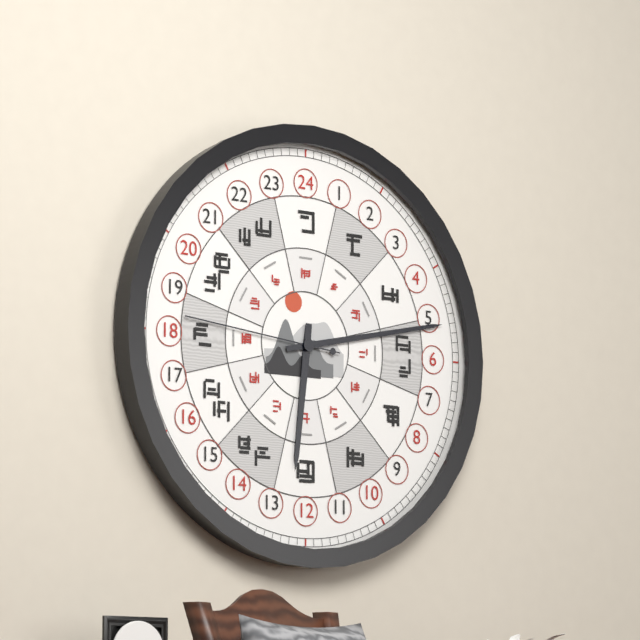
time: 6:13:46
